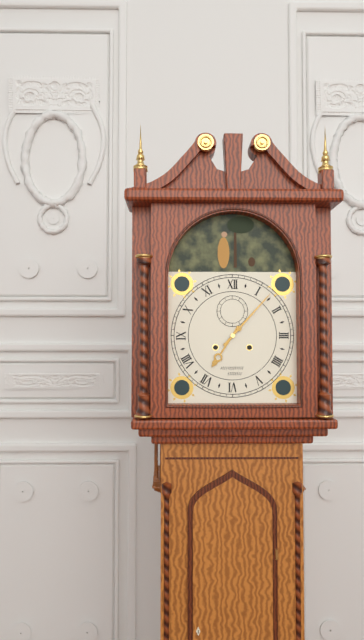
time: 7:07
